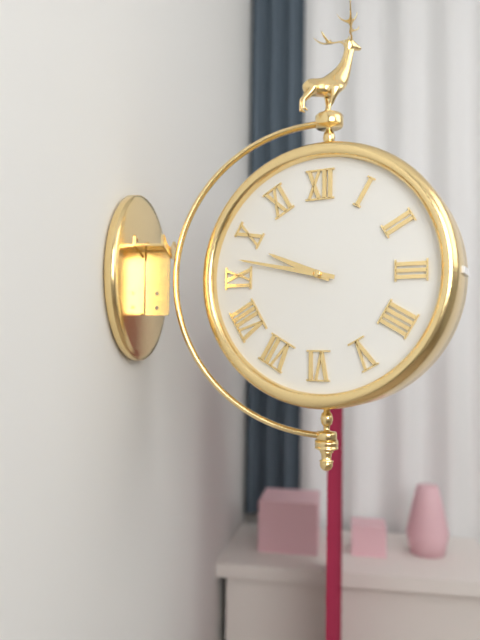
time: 9:47
